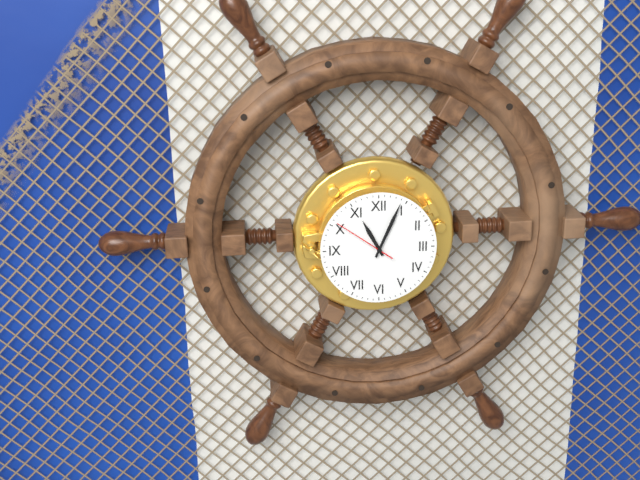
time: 11:04:51
